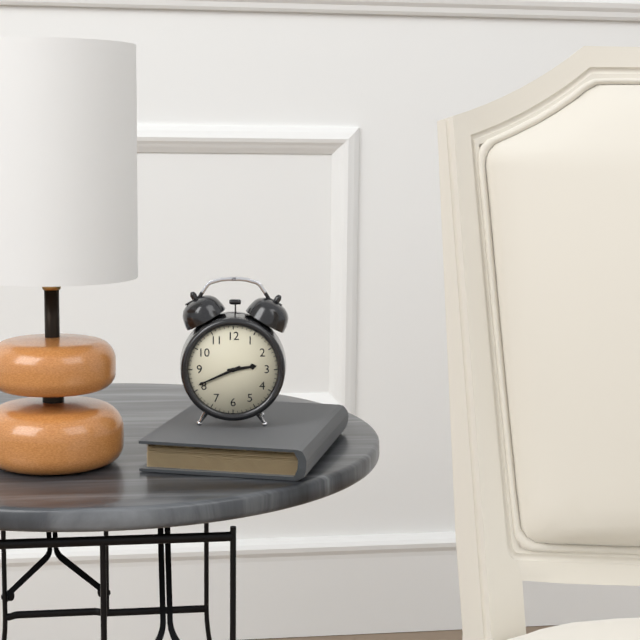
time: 2:41
